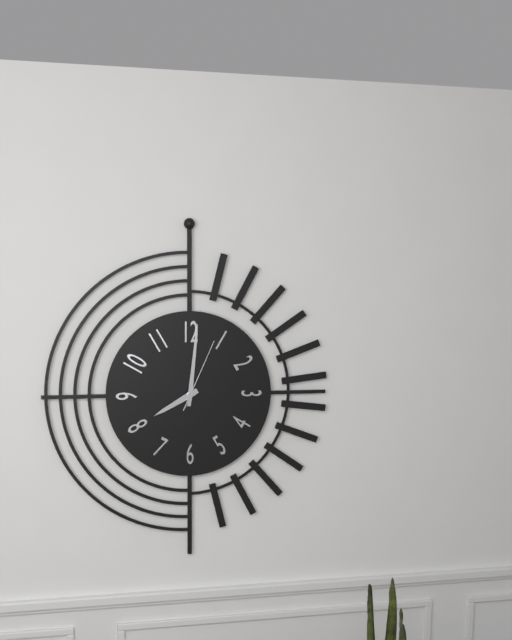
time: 8:01:04
